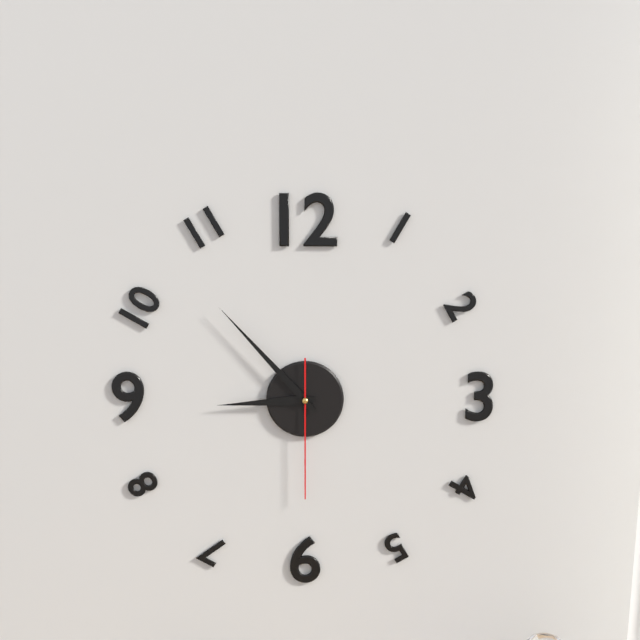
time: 8:53:30
